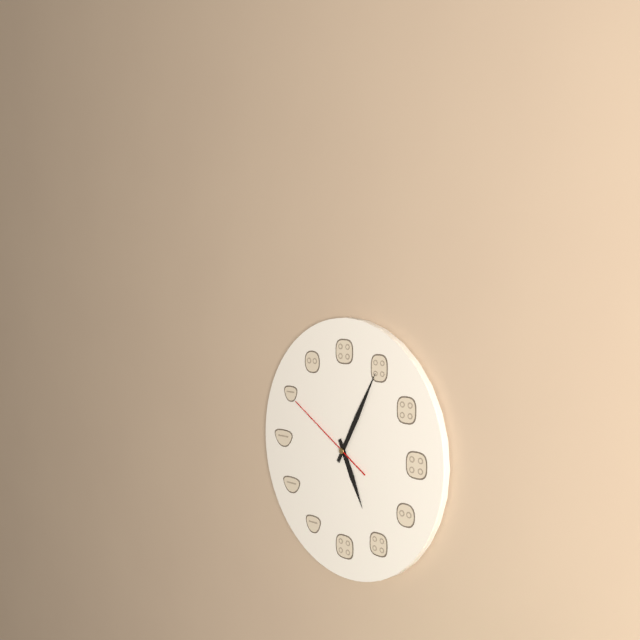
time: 5:05:50
